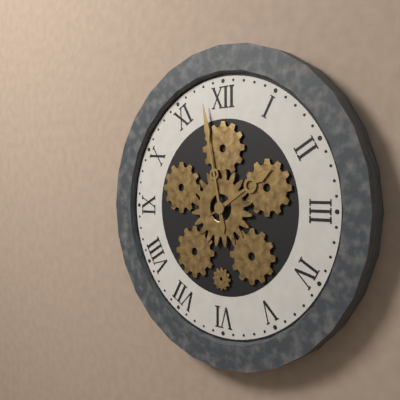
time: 1:58
